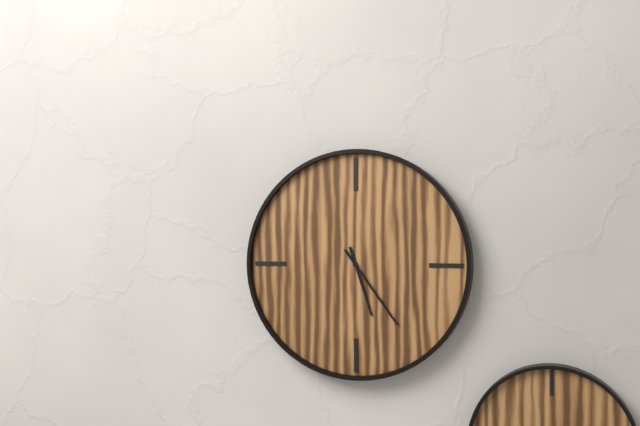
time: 5:24
